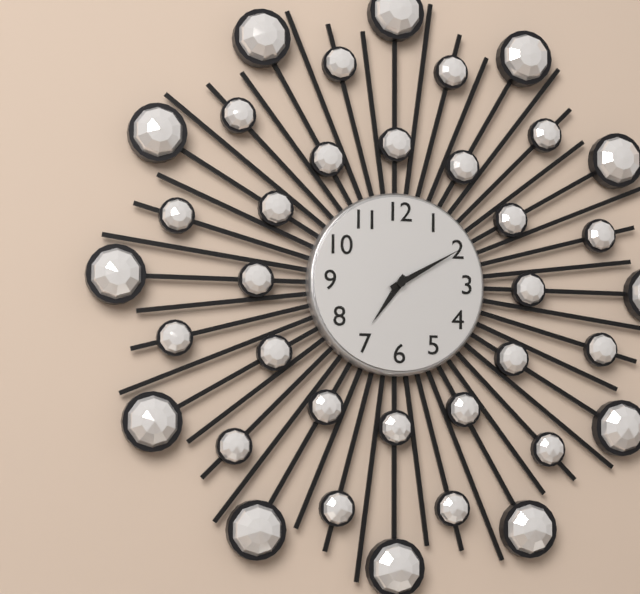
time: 7:10
